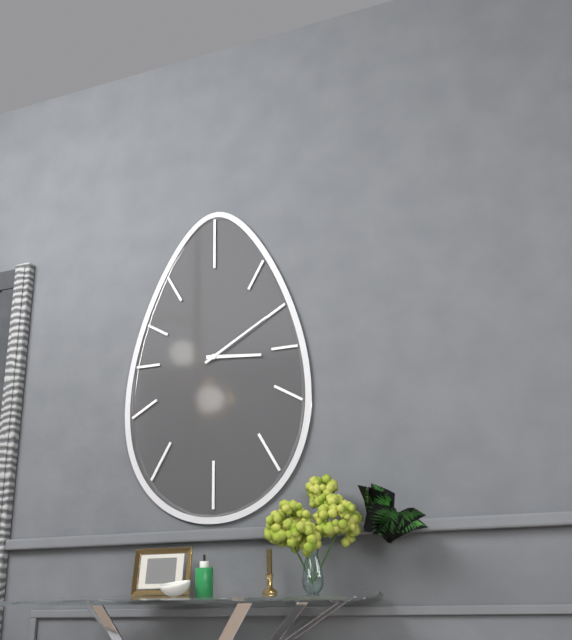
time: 3:10
